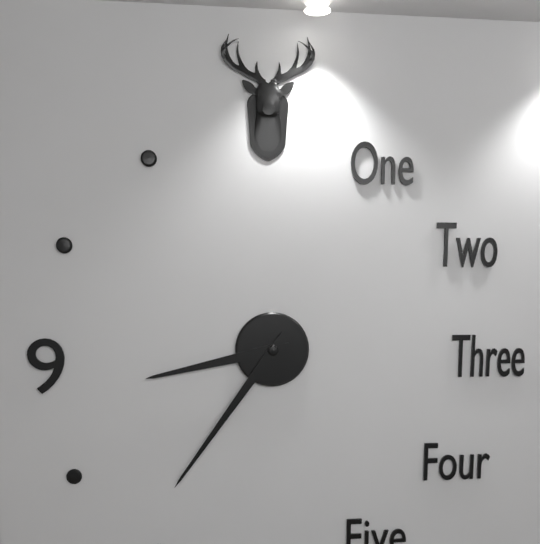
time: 8:36
